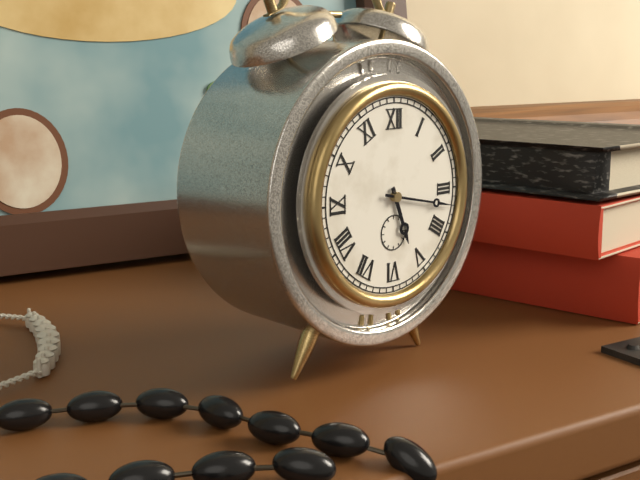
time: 5:17
